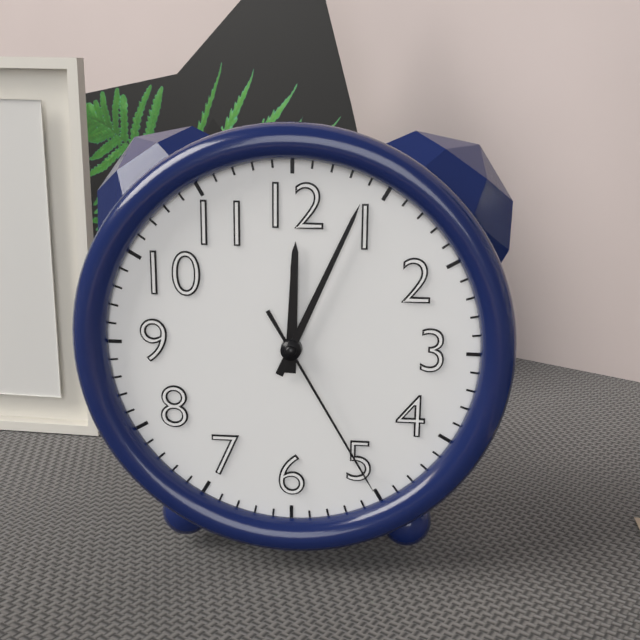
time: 12:04:25
